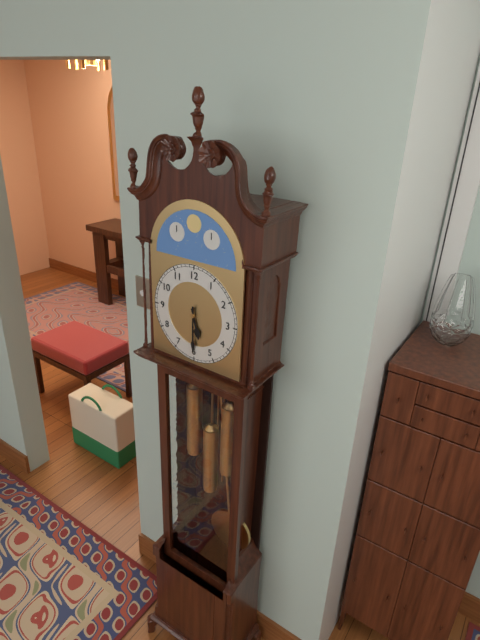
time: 5:30
